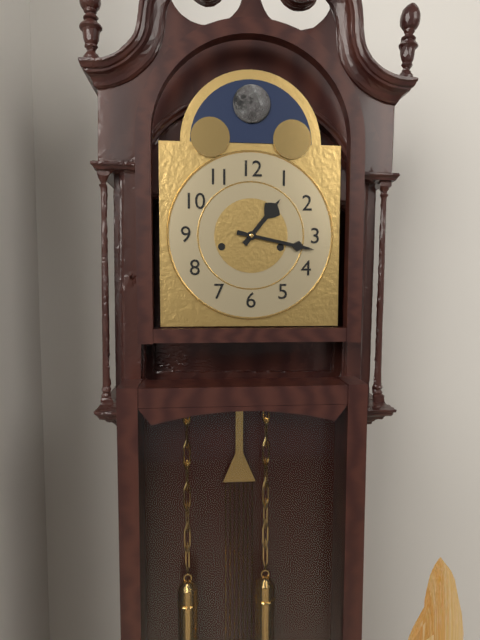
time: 1:17
